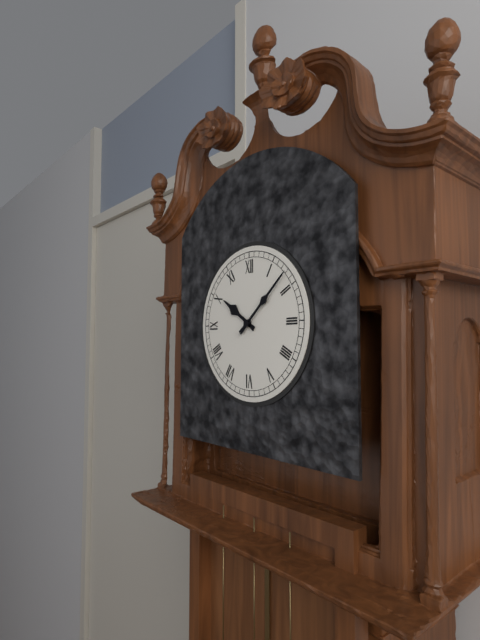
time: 10:08
